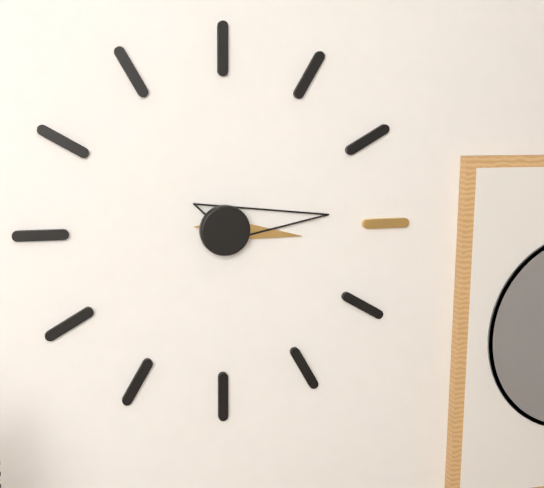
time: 3:14
